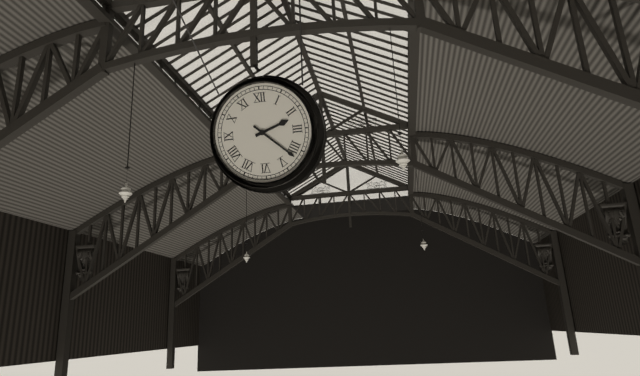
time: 2:22
